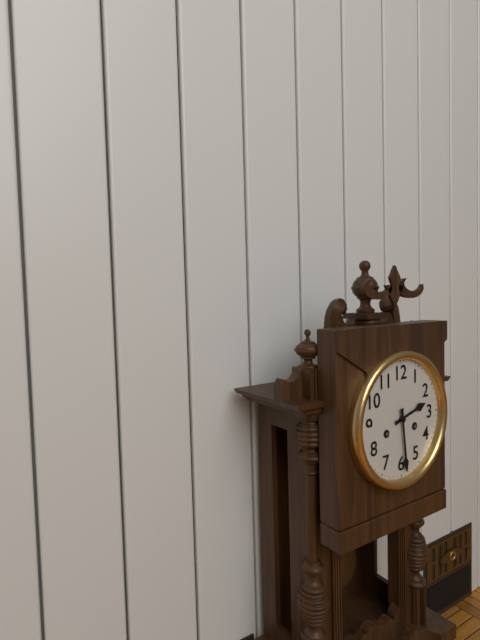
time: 2:29
